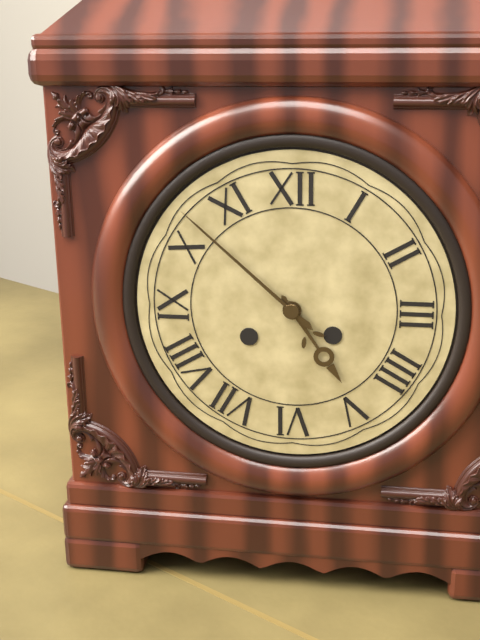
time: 4:52
